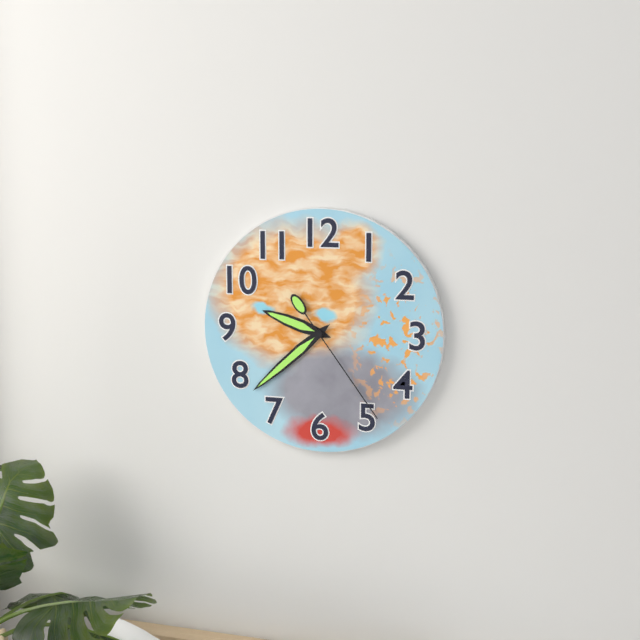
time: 9:38:24
